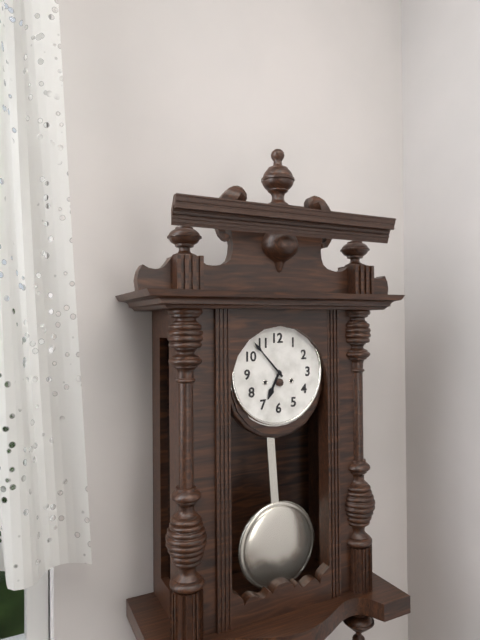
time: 6:53
